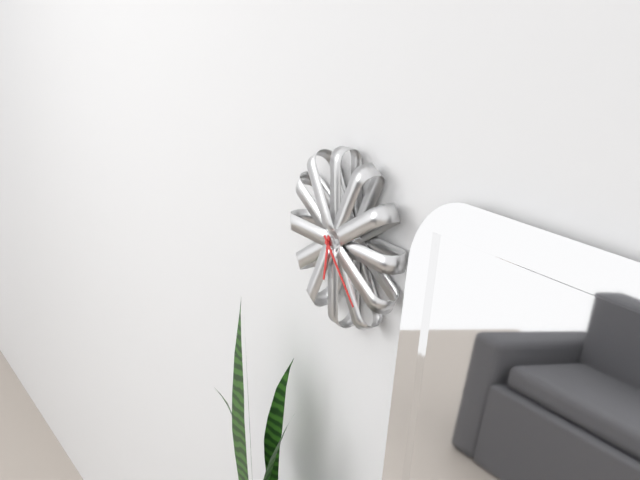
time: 6:23
